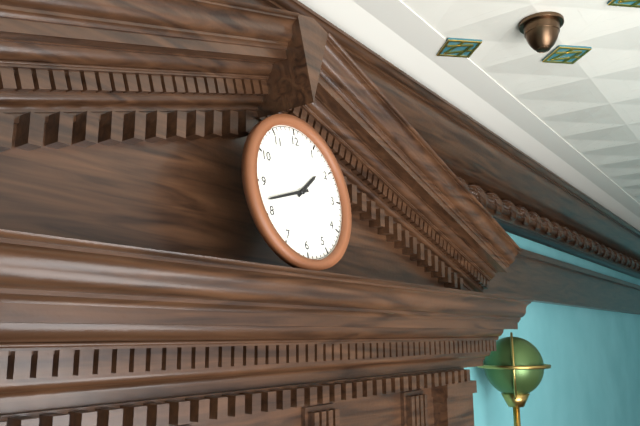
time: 1:42
